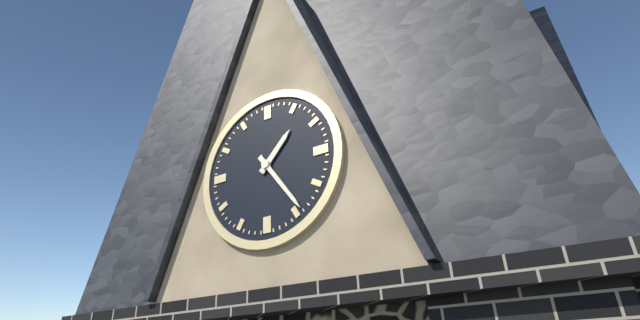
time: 1:24
